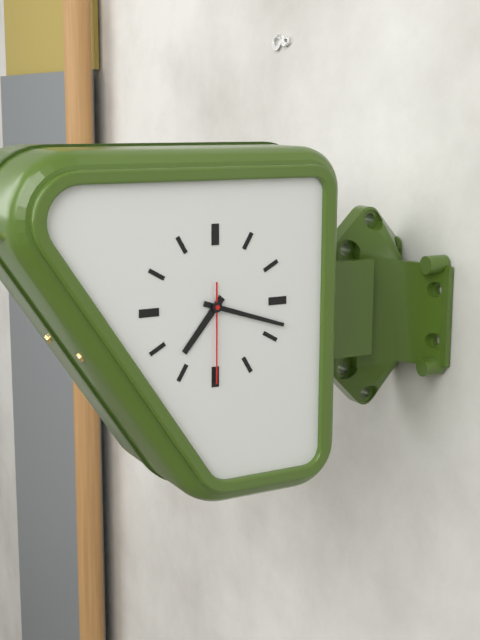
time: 7:18:30
